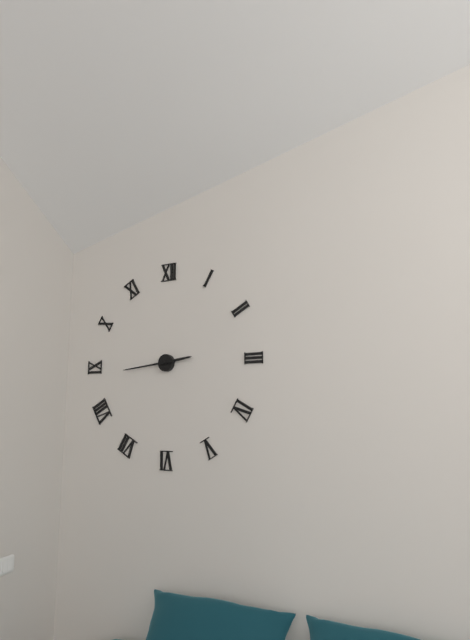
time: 2:44
